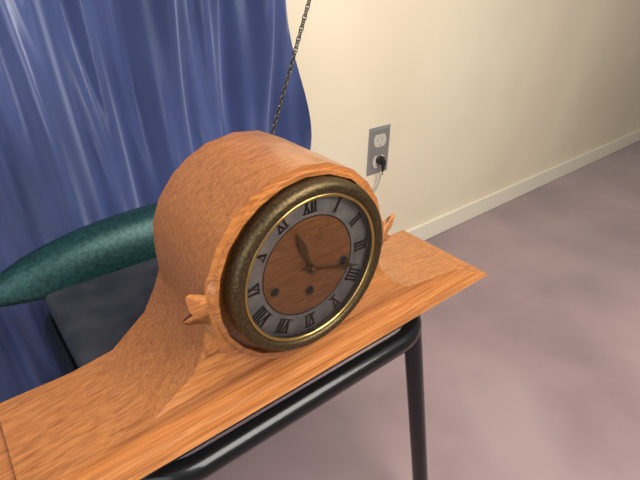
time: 11:18
